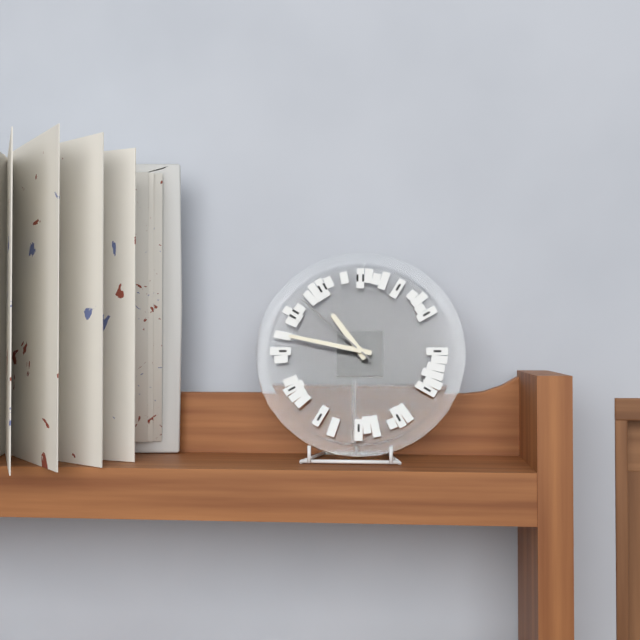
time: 10:47:52
